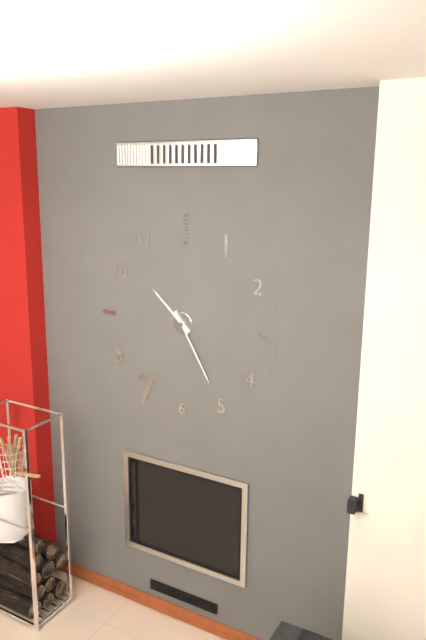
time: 10:25
